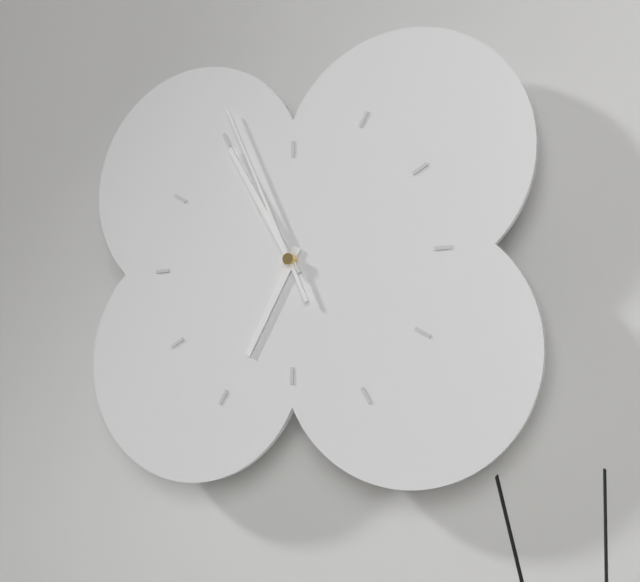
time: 6:55:56
